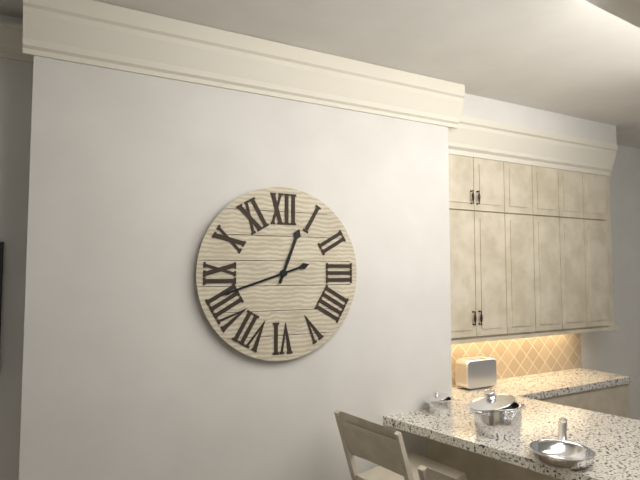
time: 12:42
